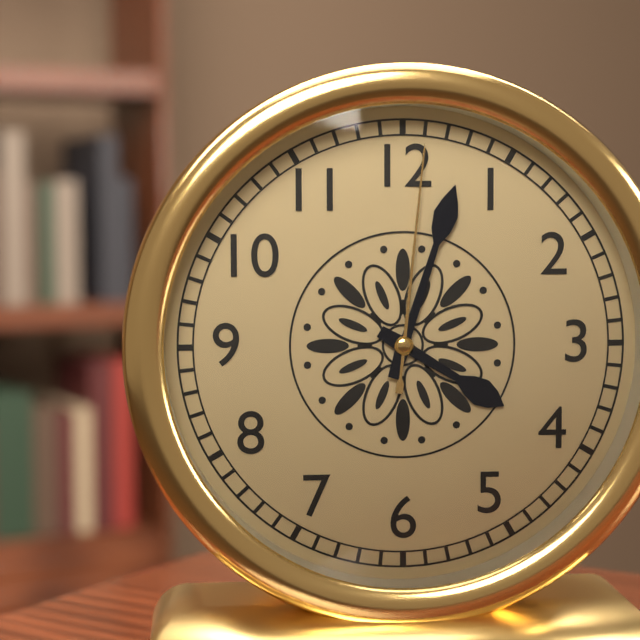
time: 4:03:01
